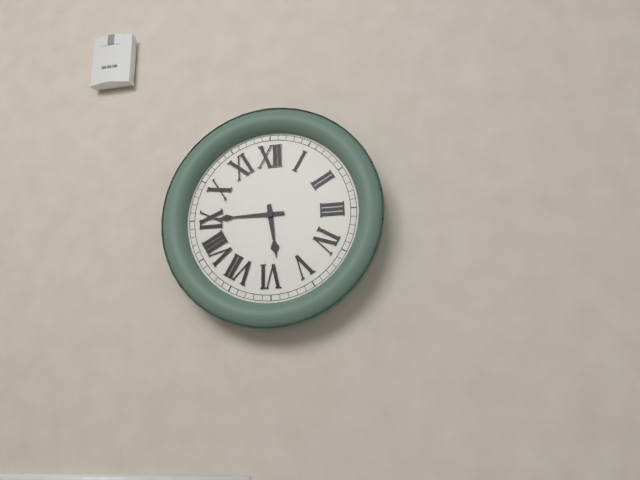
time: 5:45
